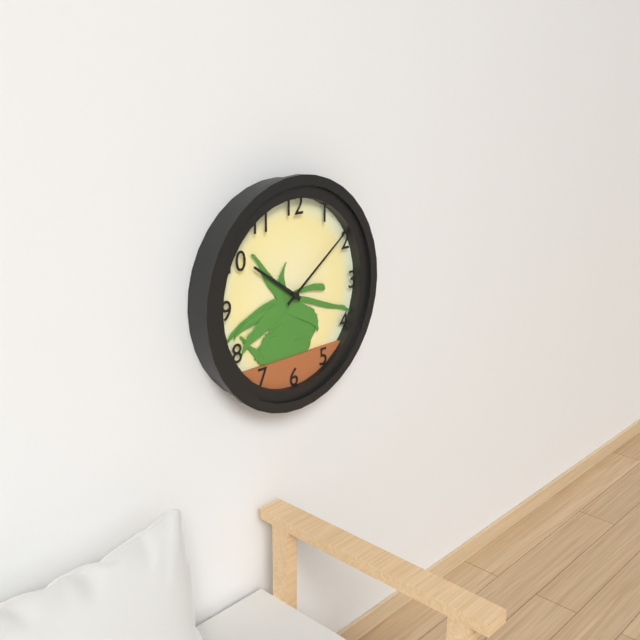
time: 10:09
